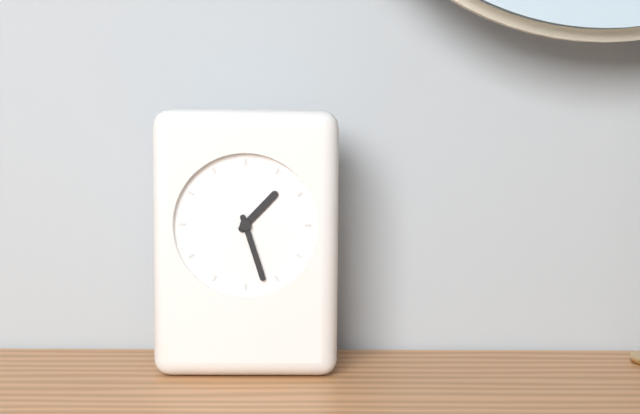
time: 1:27
